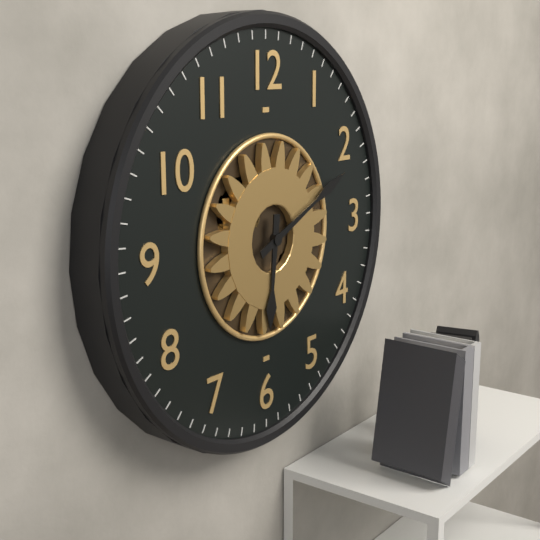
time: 6:11
